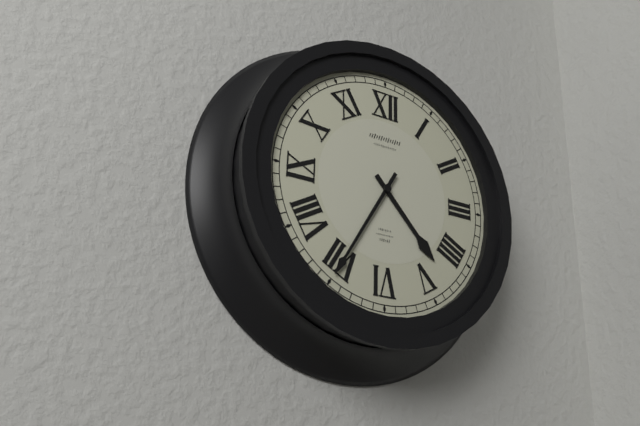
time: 4:35
